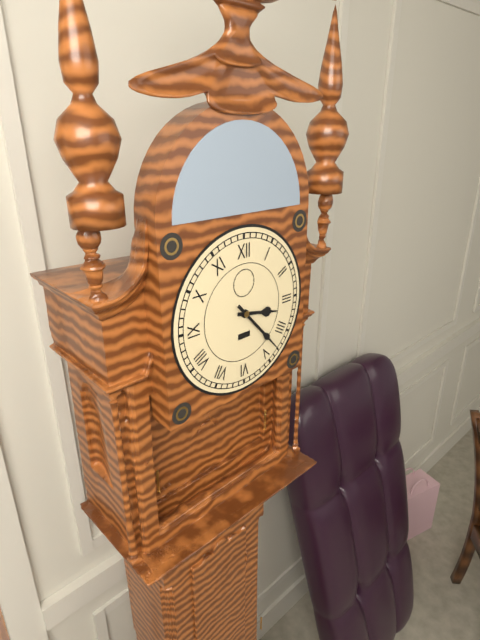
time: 3:23
